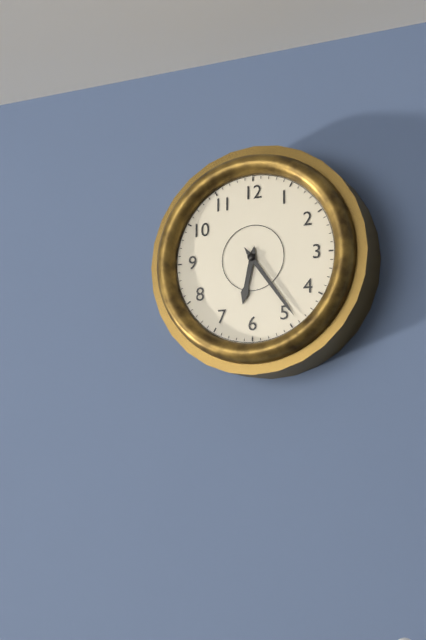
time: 6:24
